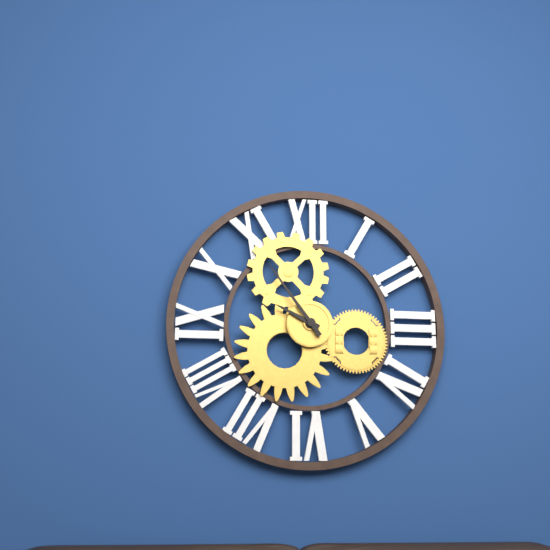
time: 9:54
